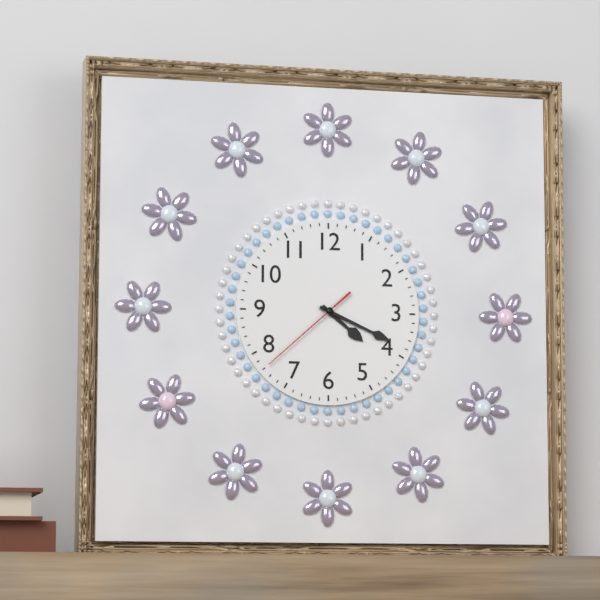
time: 4:19:38
